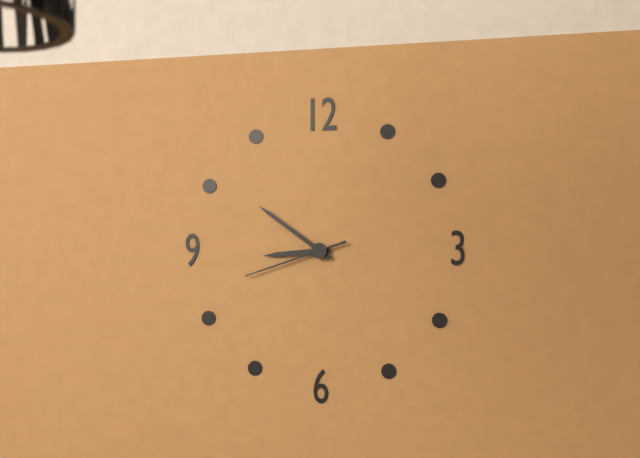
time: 8:51:42
